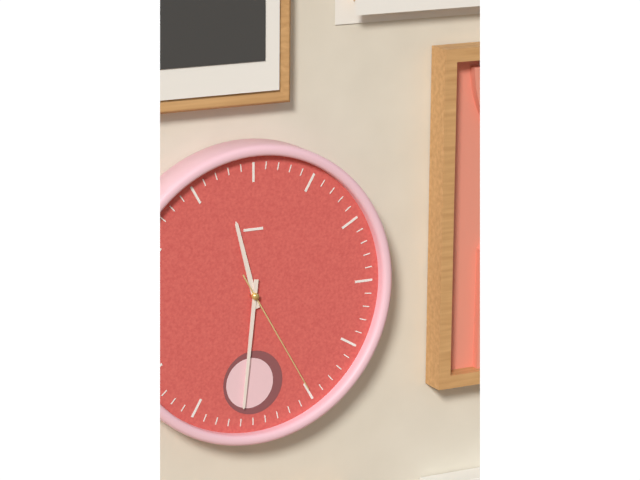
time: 11:31:25
